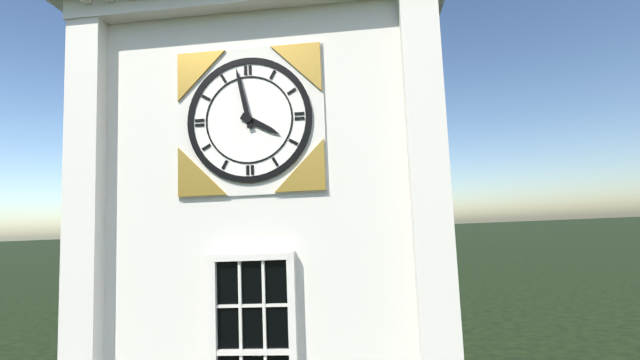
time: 3:58
